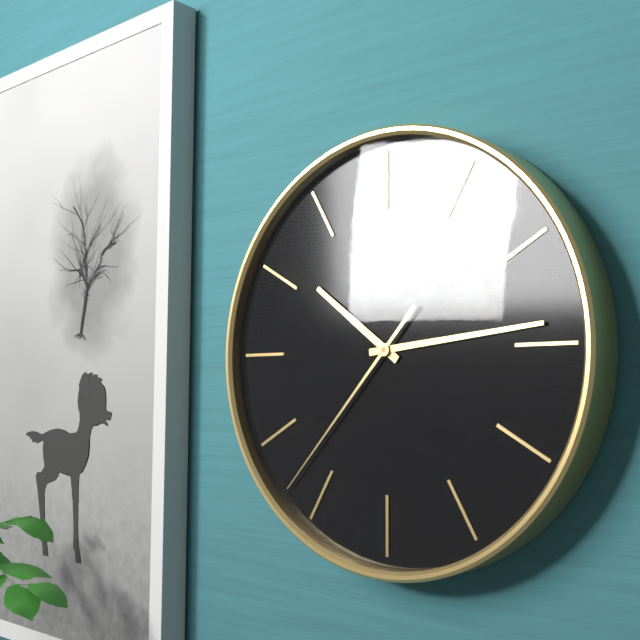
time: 10:14:37
